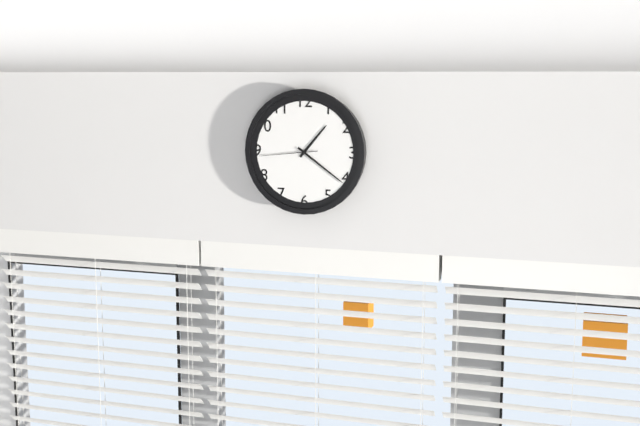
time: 1:21:44
